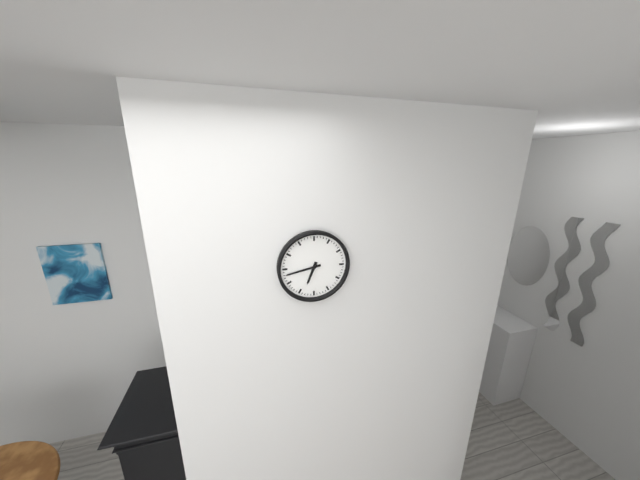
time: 6:43
